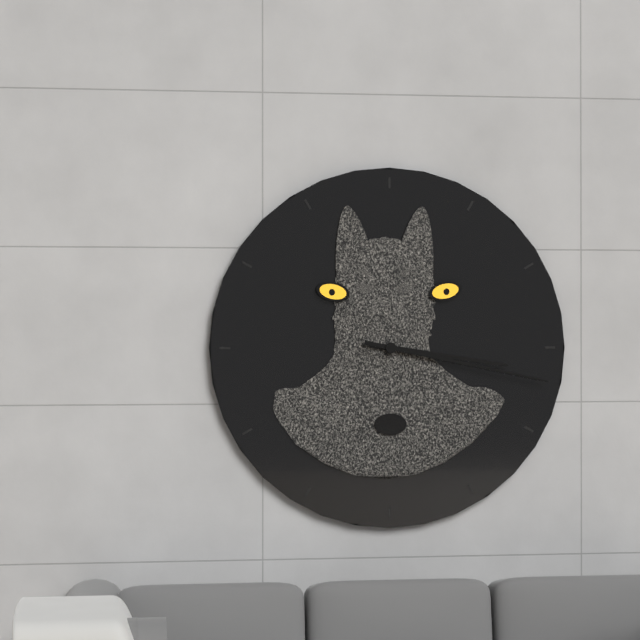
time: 3:17
